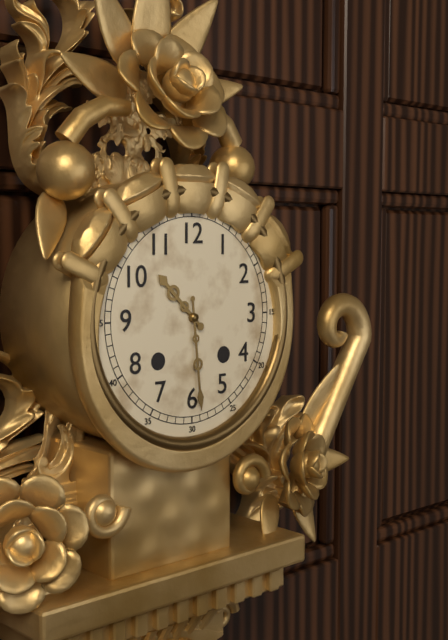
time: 10:29
